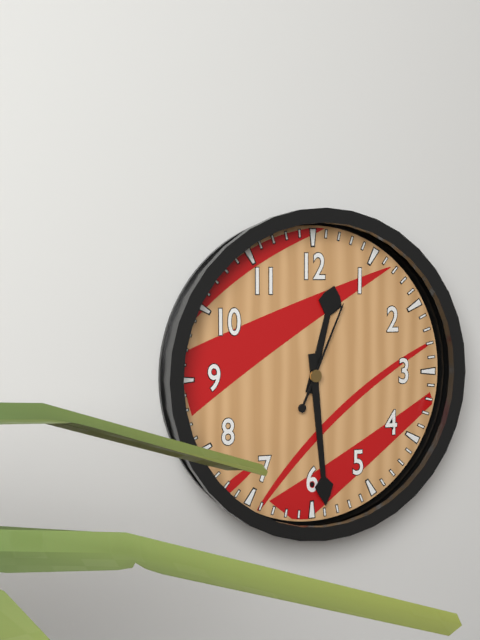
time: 12:29:04
